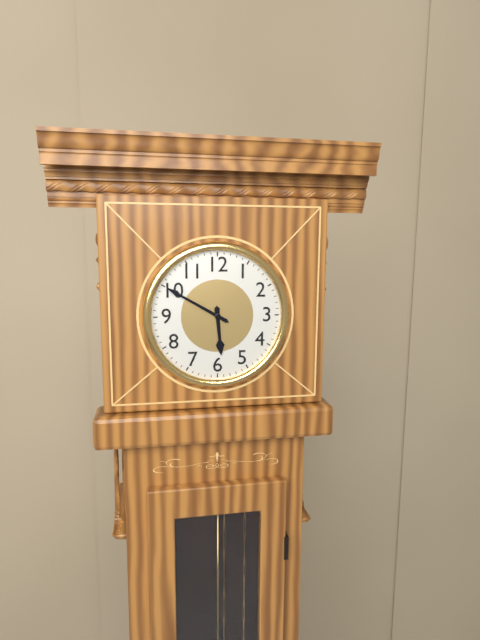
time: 5:50
